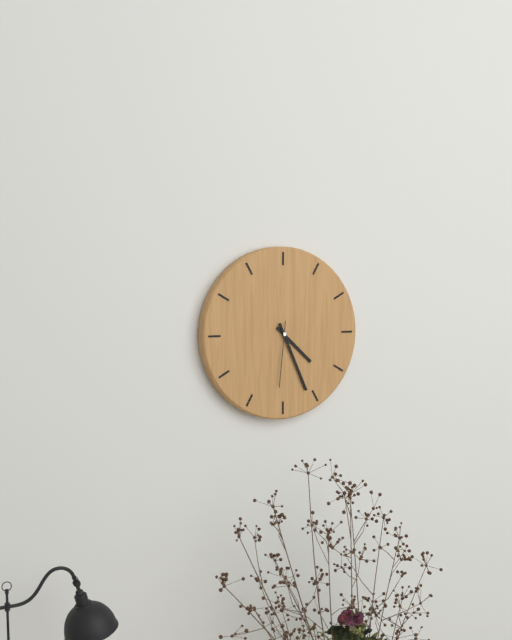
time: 4:26:31
